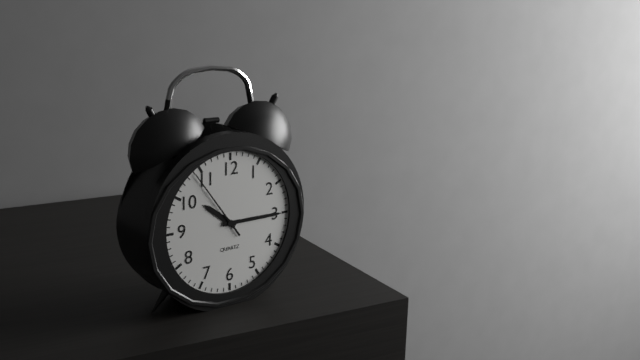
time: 10:15:54
